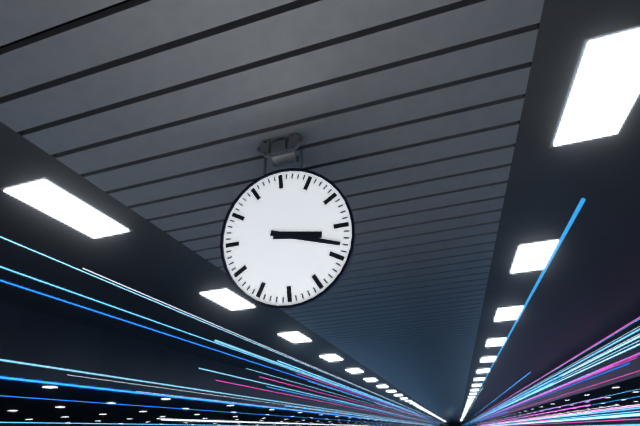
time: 3:18
